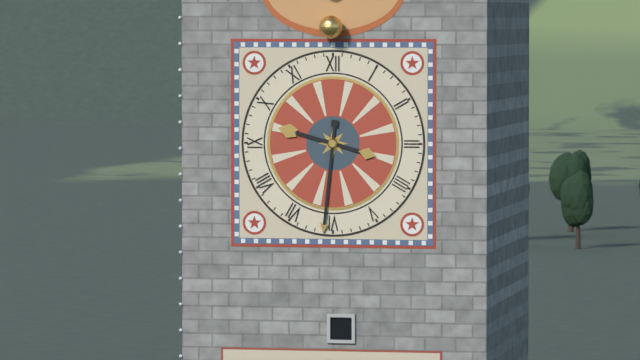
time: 9:31
